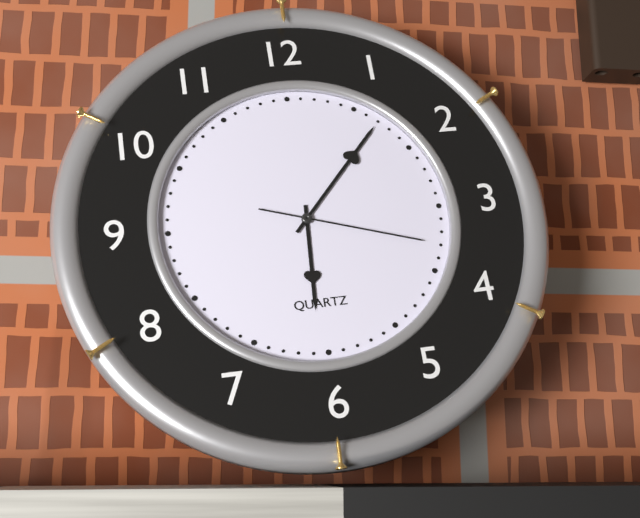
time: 6:07:18
